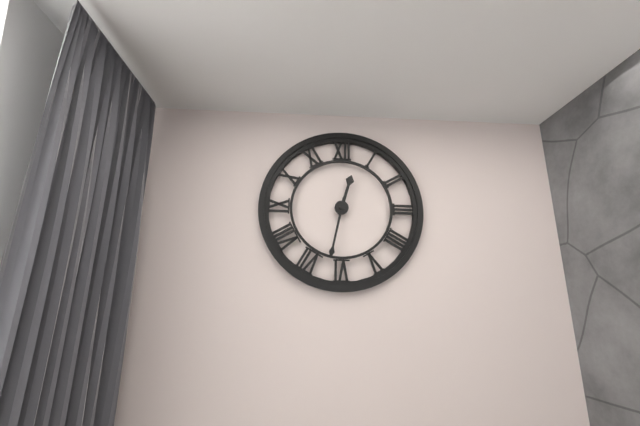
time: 12:32
